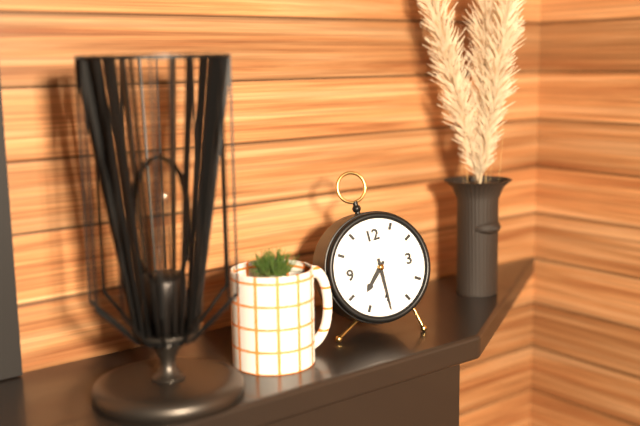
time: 7:30
